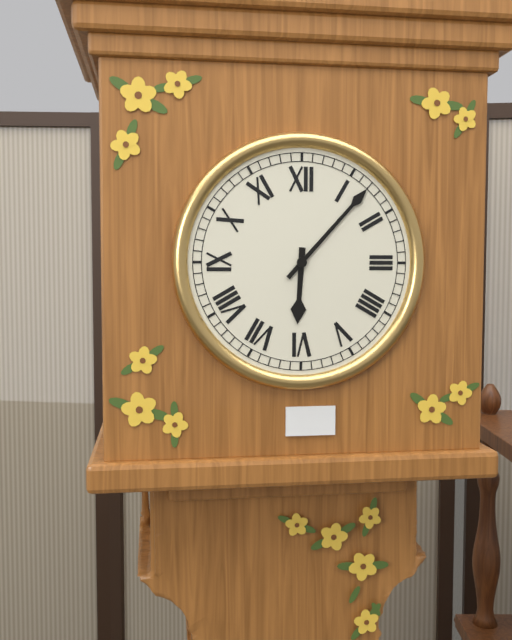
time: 6:07
